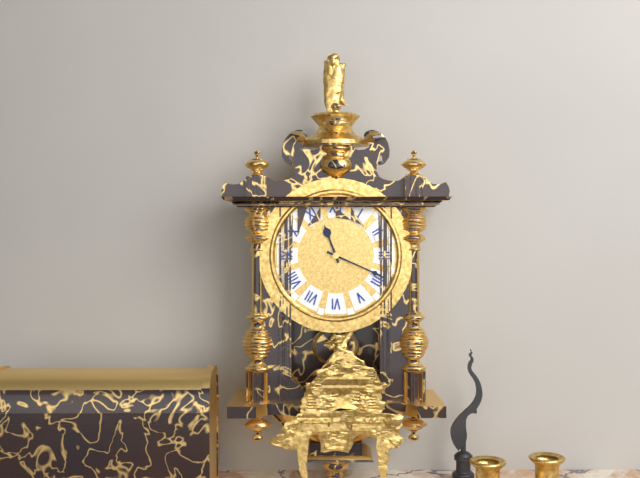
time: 11:19
